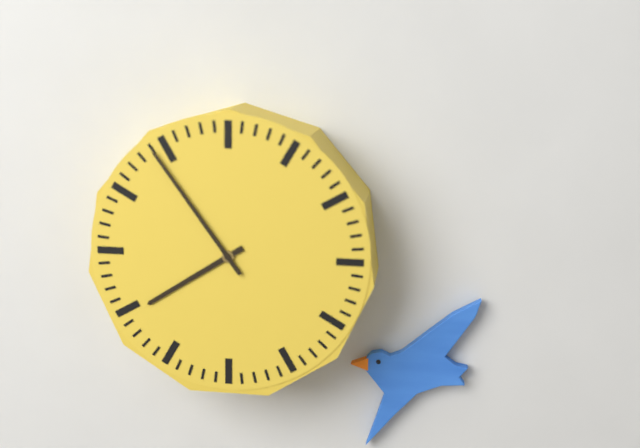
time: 7:54
